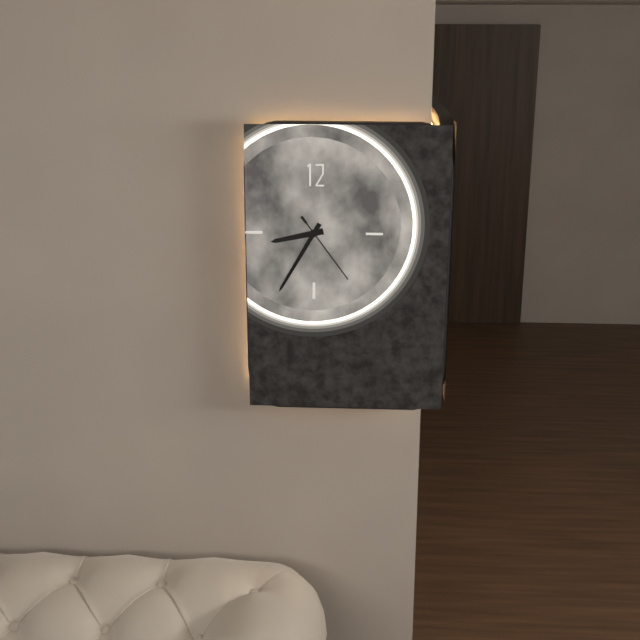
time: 8:35:24
